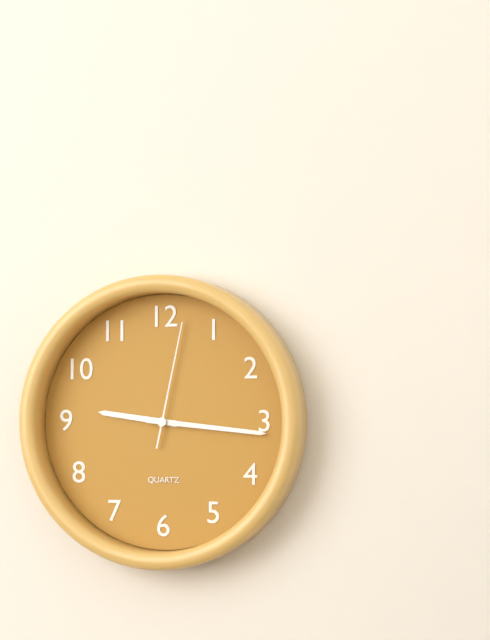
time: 9:16:02
